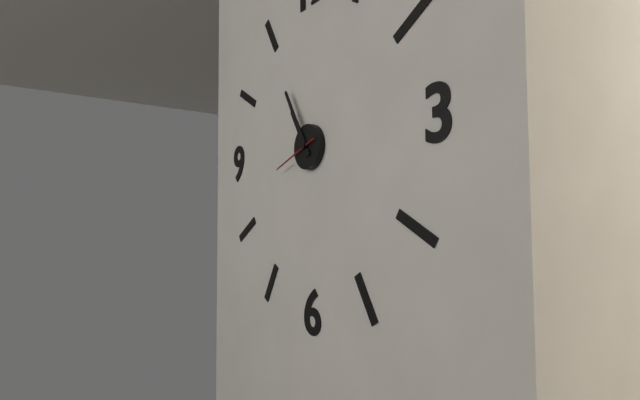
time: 10:55
